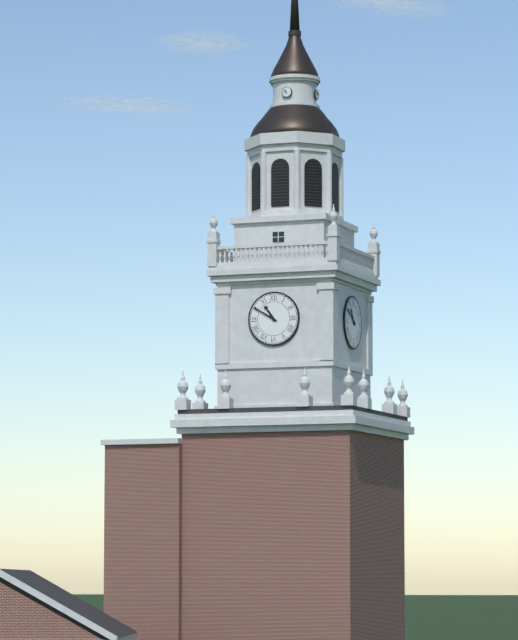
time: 10:50
